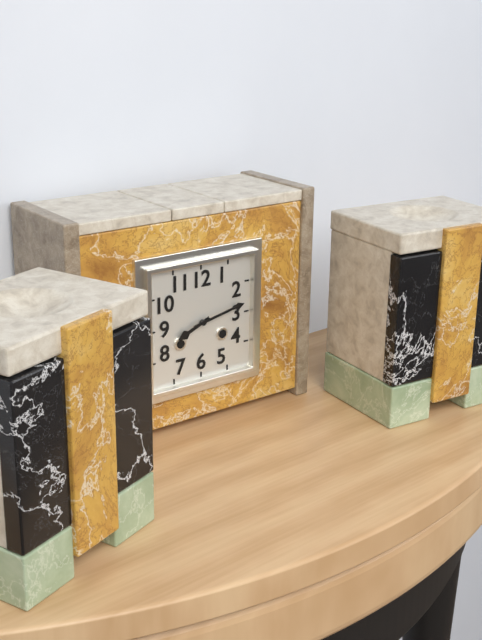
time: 8:13
